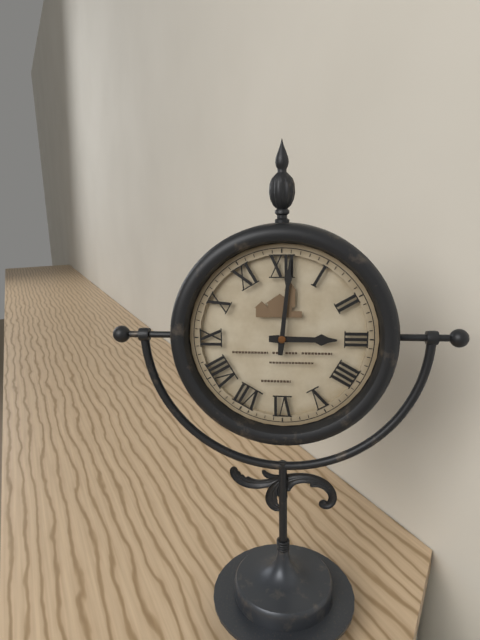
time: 3:01
